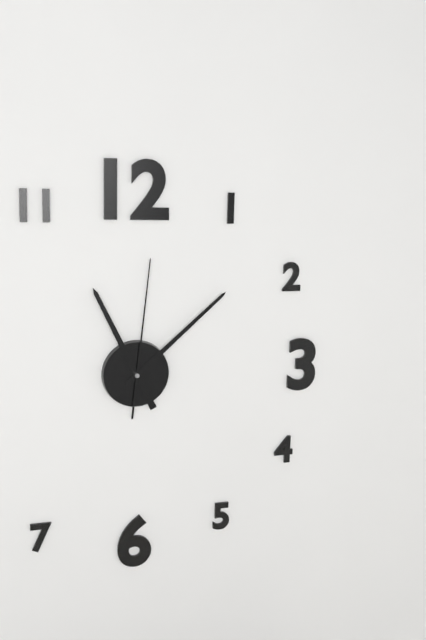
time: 11:08:01
